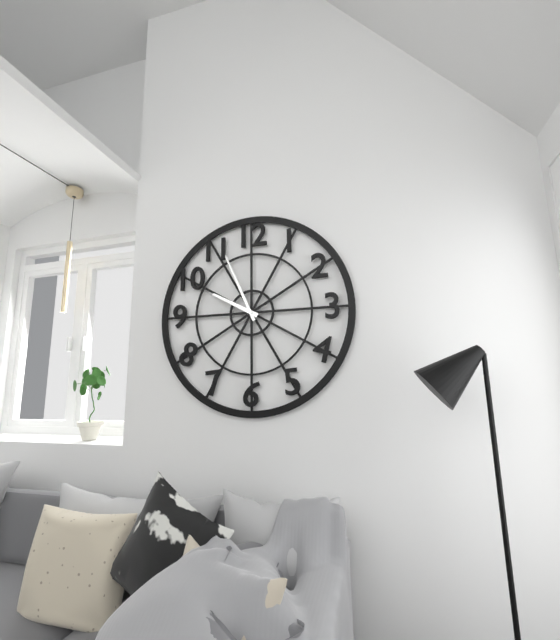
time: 9:56
